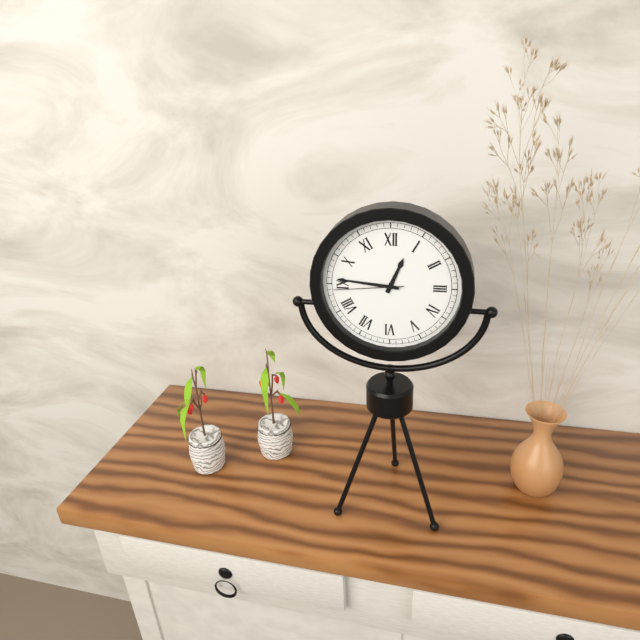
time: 12:46:44
